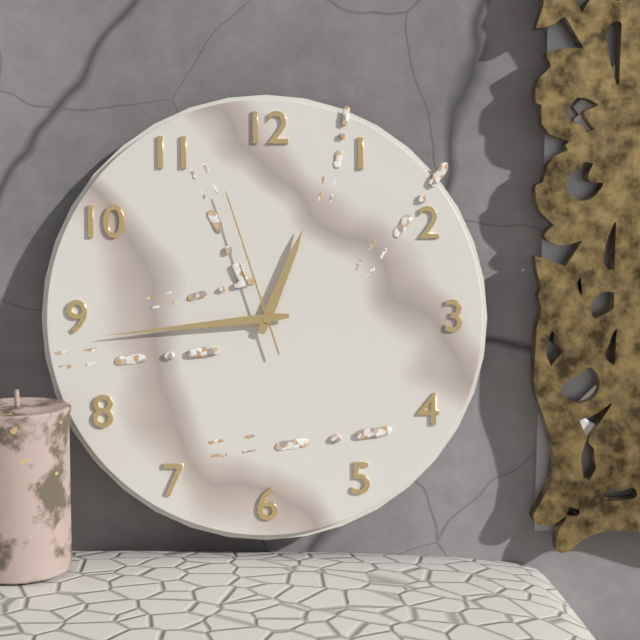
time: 12:44:57
